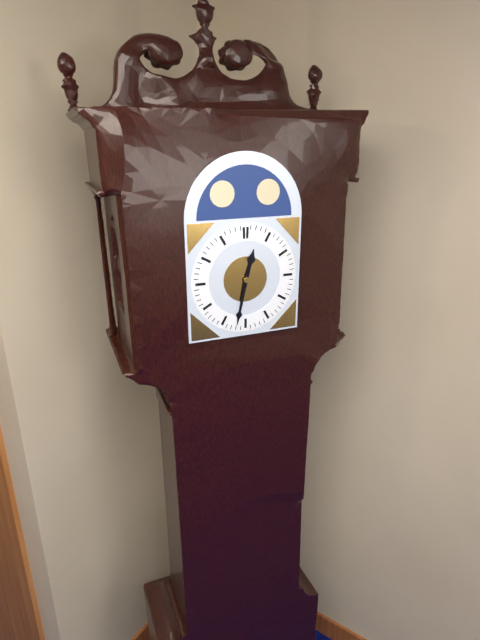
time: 12:32
